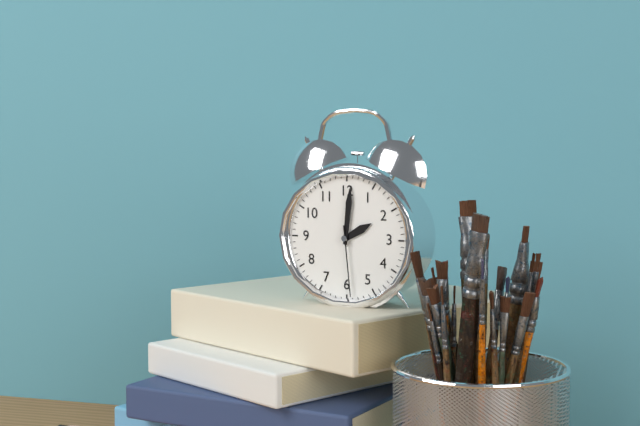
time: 2:01:29
